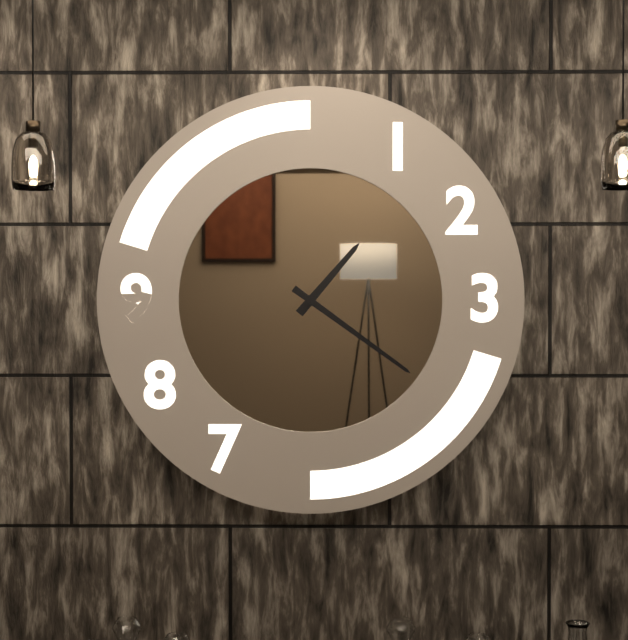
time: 1:21
